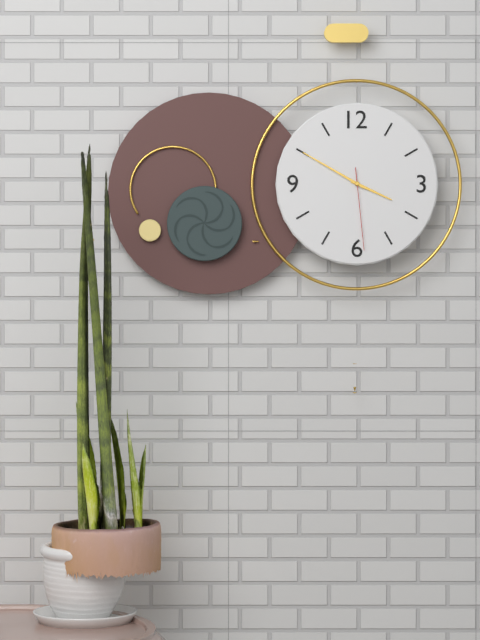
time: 3:50:29
